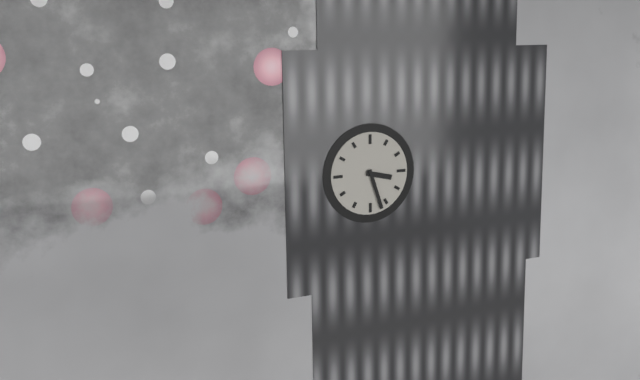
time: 3:27
